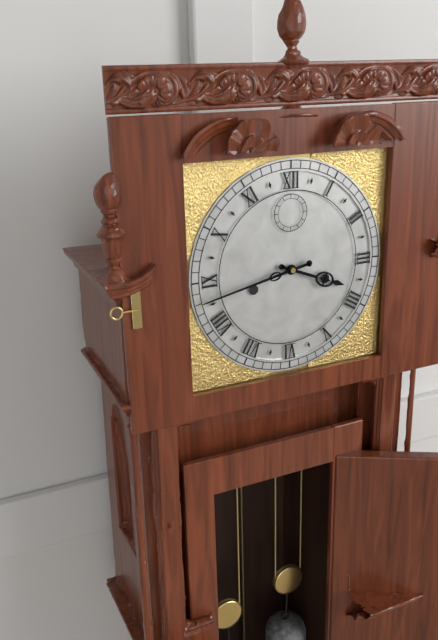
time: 3:43
